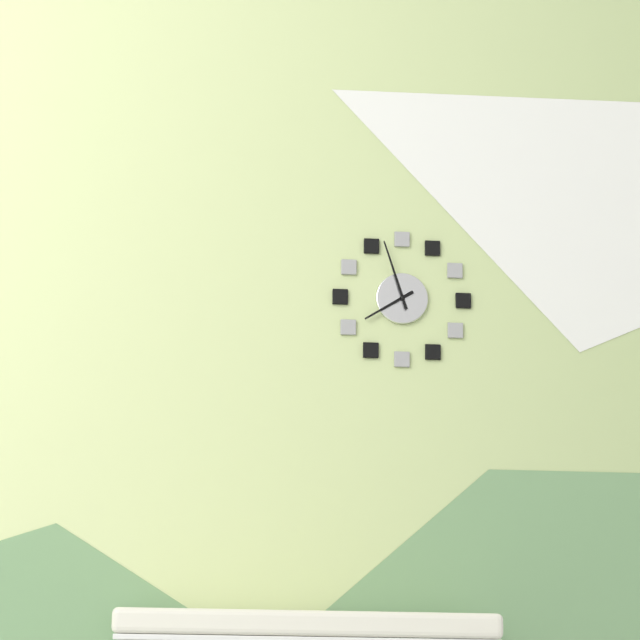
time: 7:57
